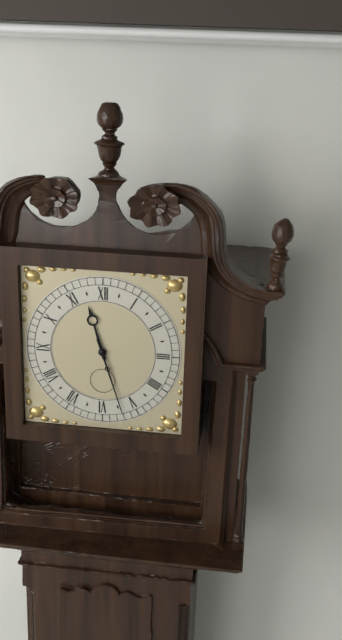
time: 11:27
